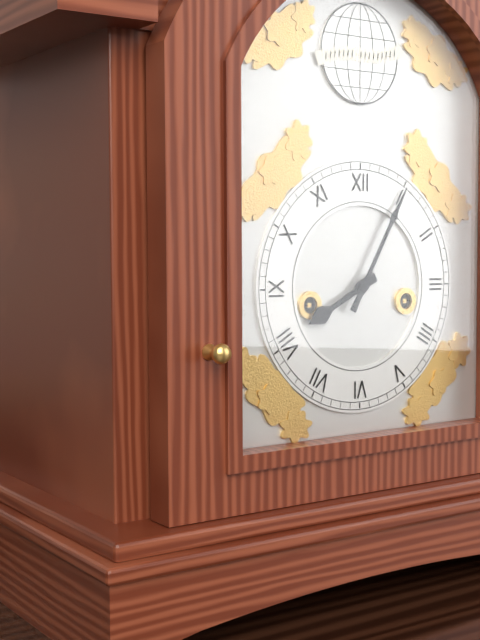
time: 8:05
